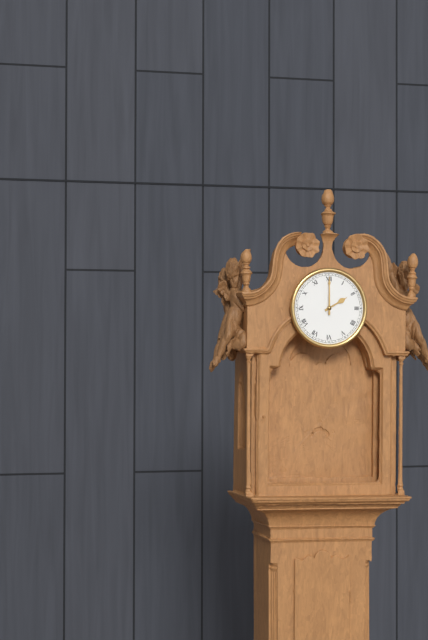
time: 2:00
